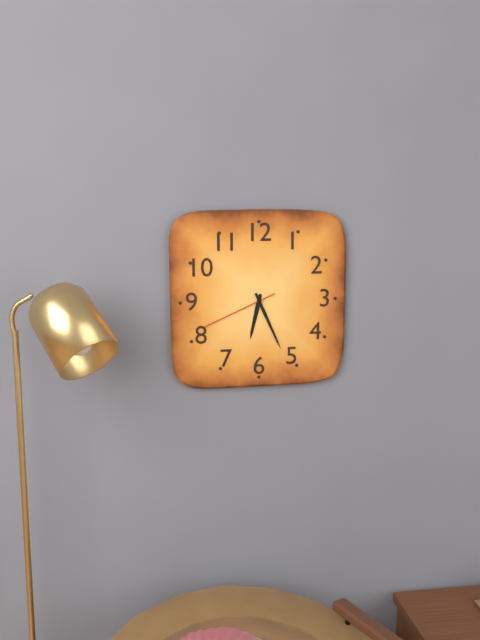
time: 6:26:41
